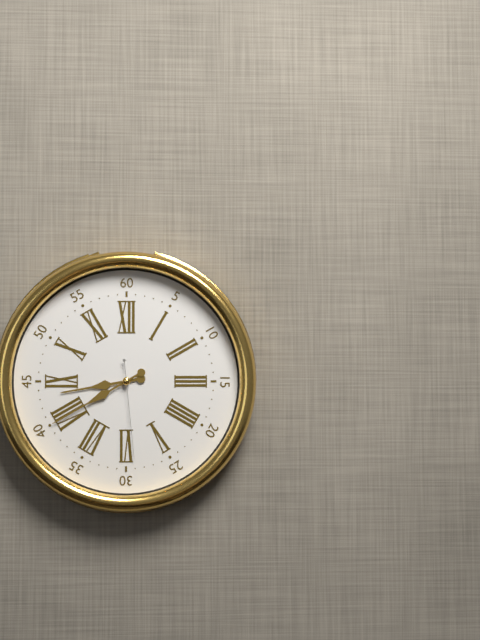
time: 8:40:29
